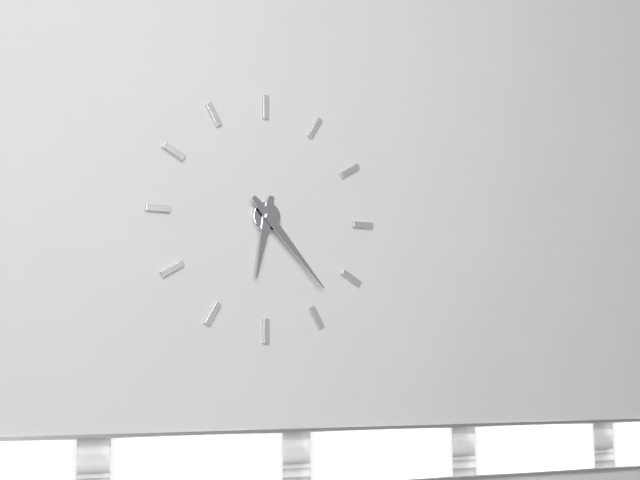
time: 6:23
